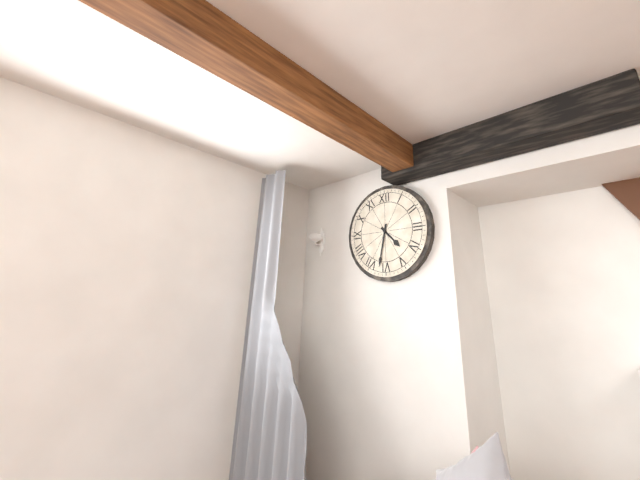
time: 4:32
